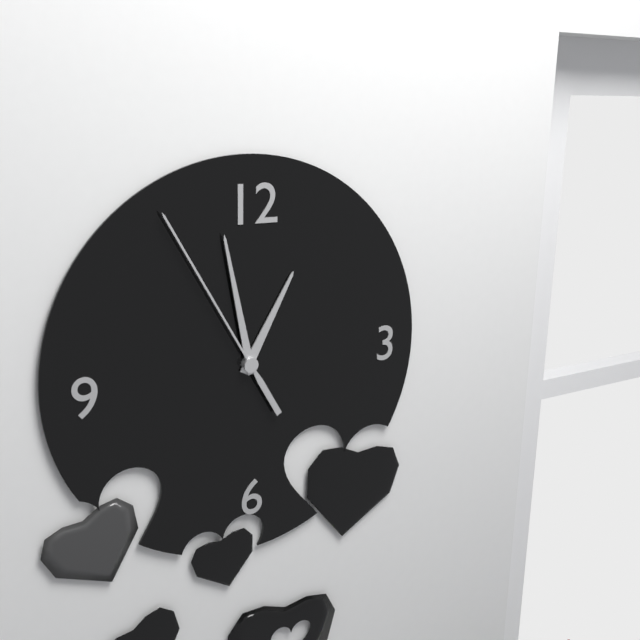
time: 12:58:55
